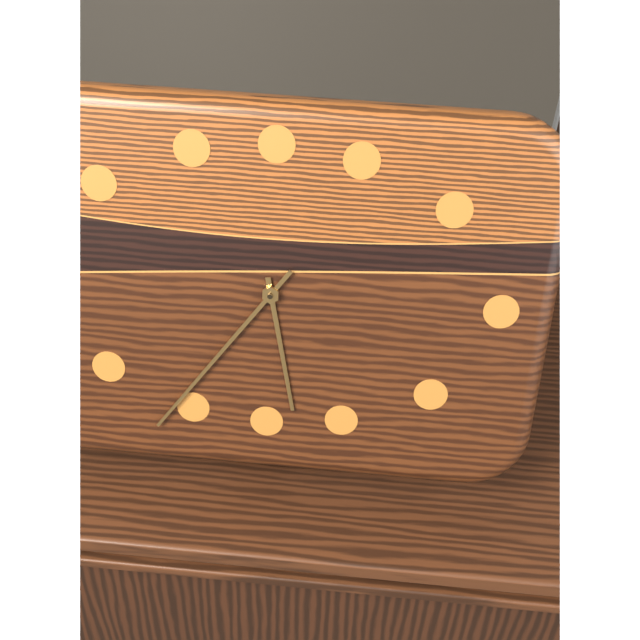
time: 5:36
